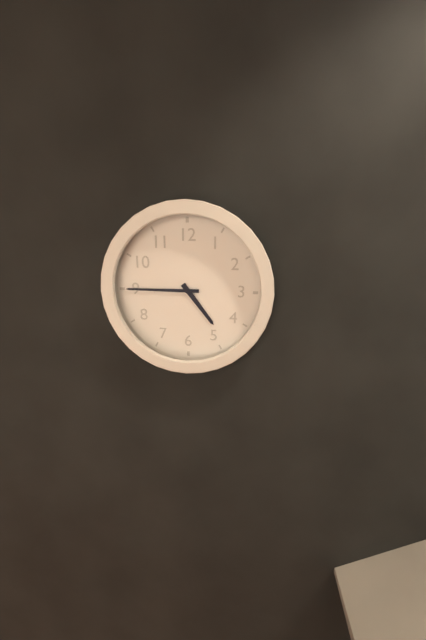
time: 4:45
